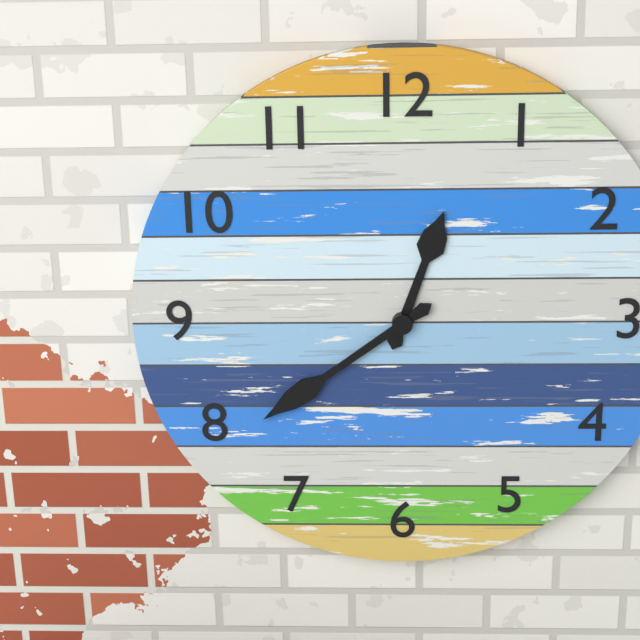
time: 12:39
